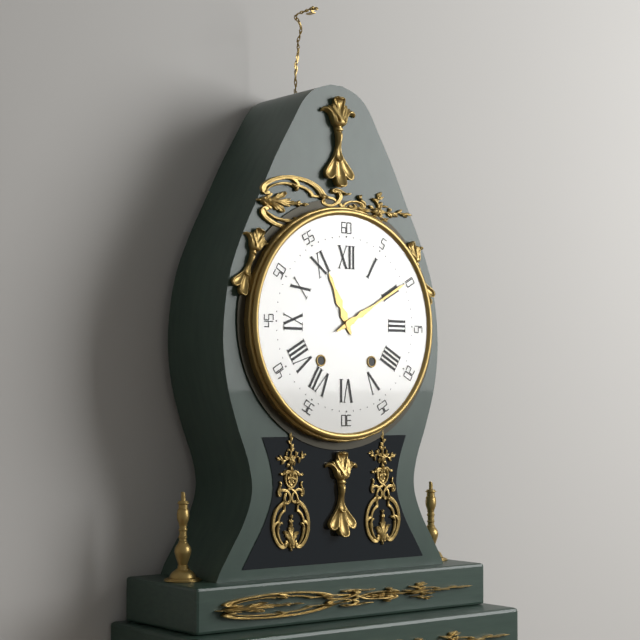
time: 11:10
